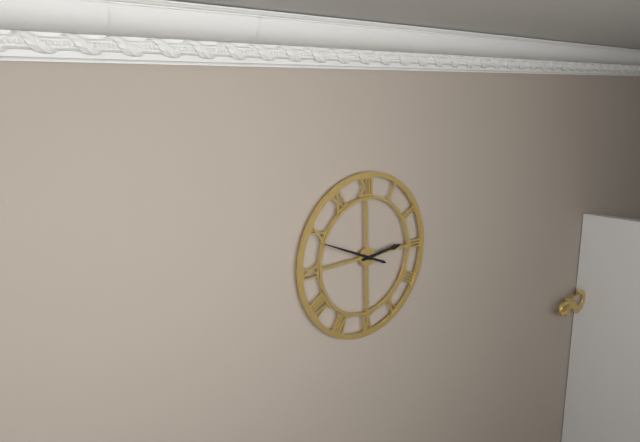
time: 2:49
